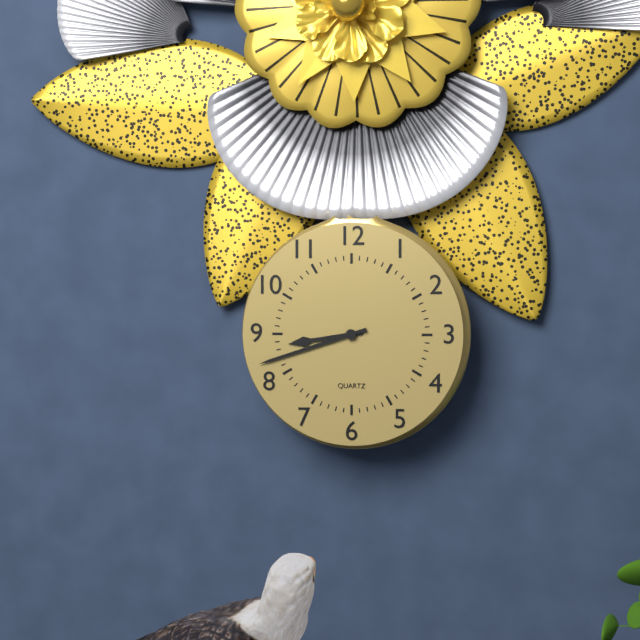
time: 8:42
